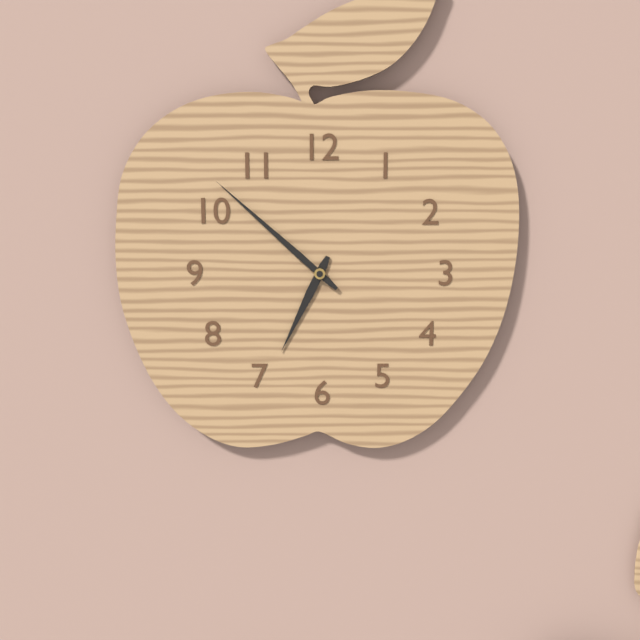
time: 6:52
